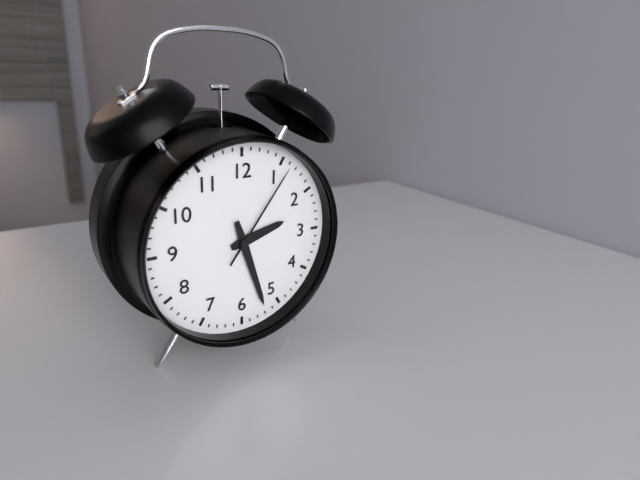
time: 2:27:06
